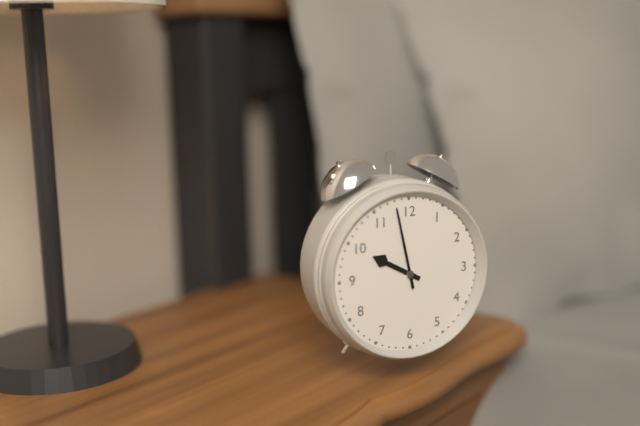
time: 9:58
